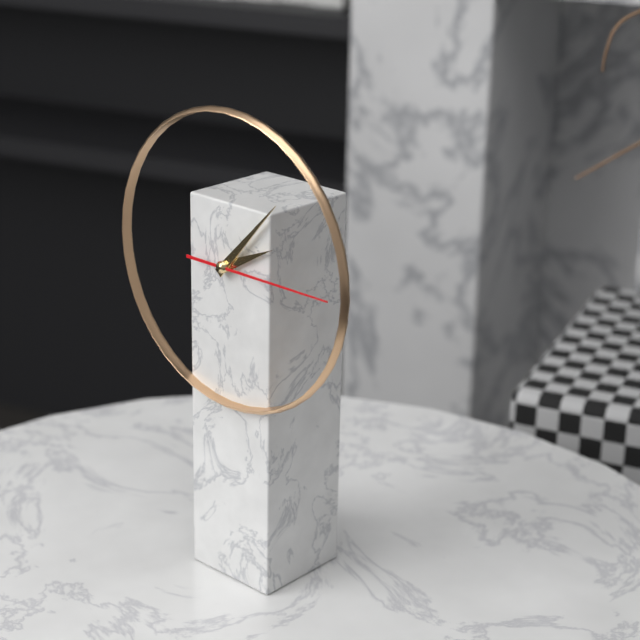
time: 2:07:15
